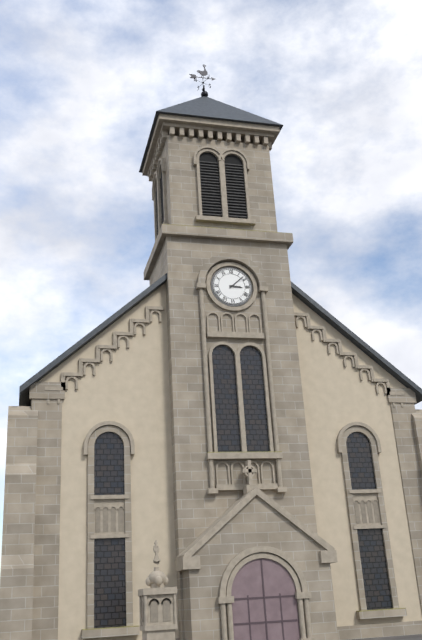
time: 3:08
